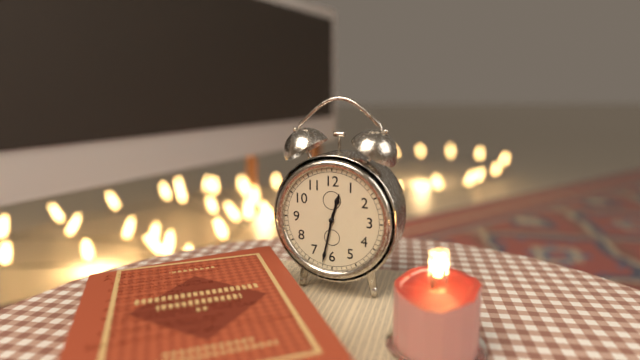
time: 12:32
